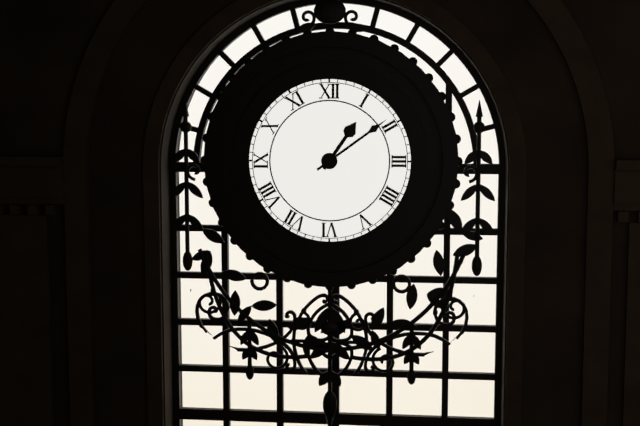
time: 1:09
